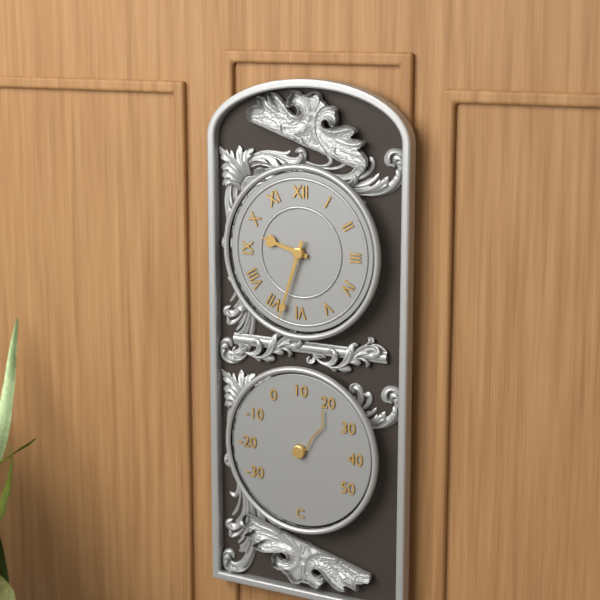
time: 9:33
